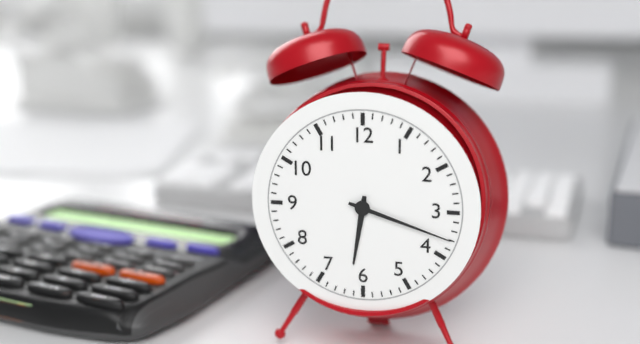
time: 6:18
